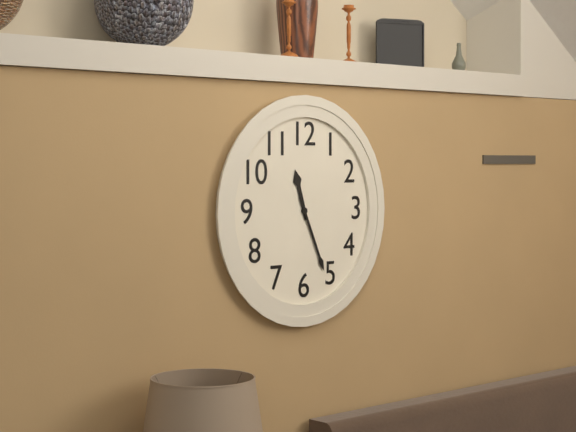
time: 11:26
